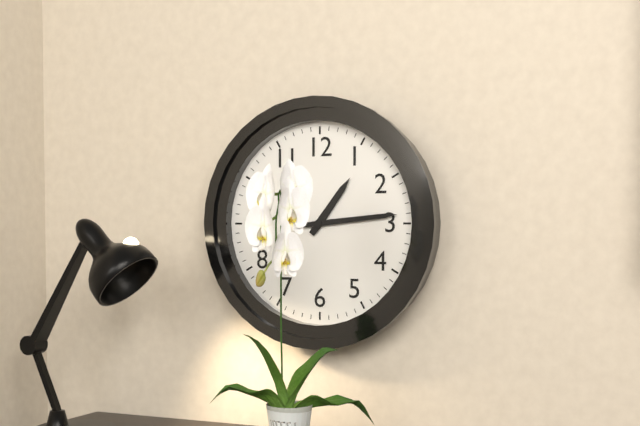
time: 1:14
